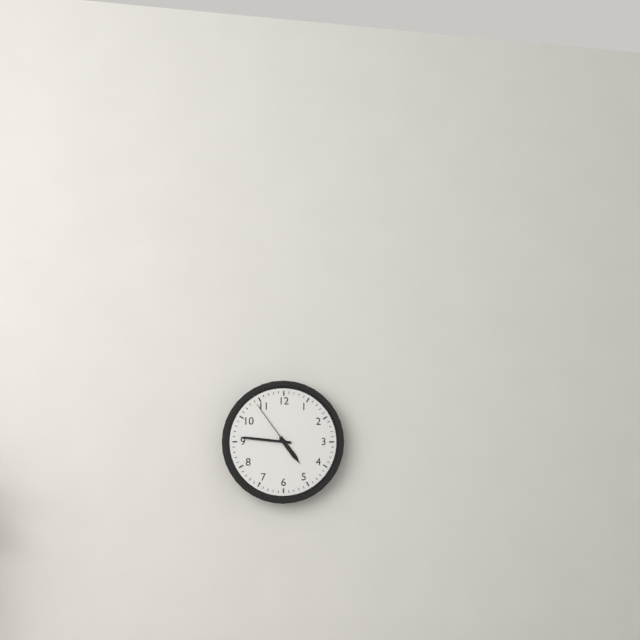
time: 4:46:54
